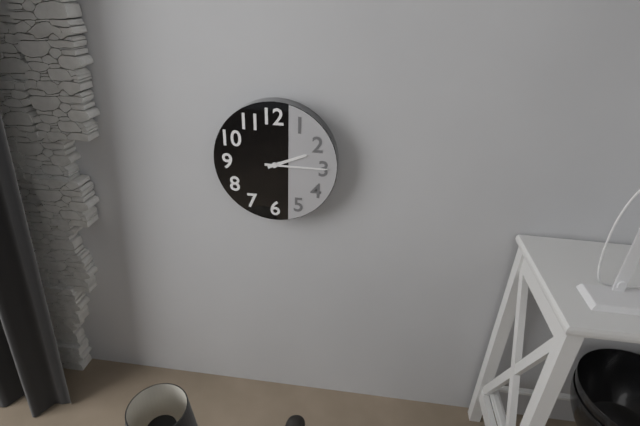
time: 2:15
